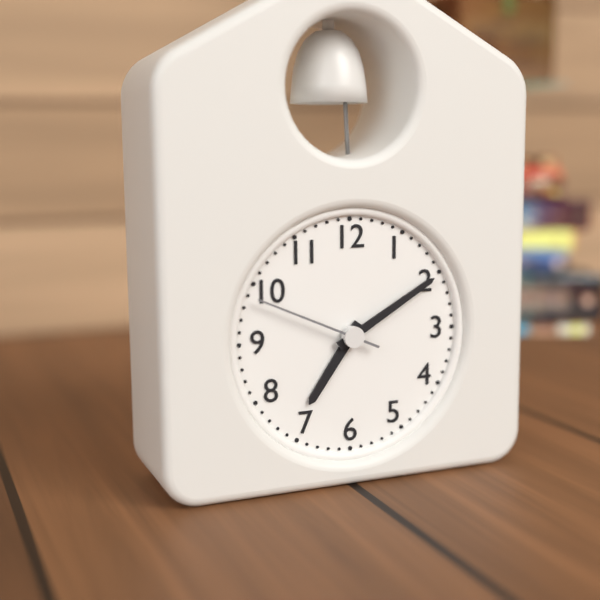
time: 7:10:49
